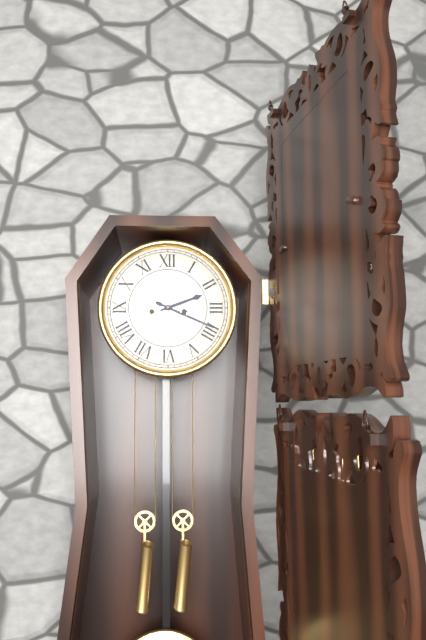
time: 2:19
